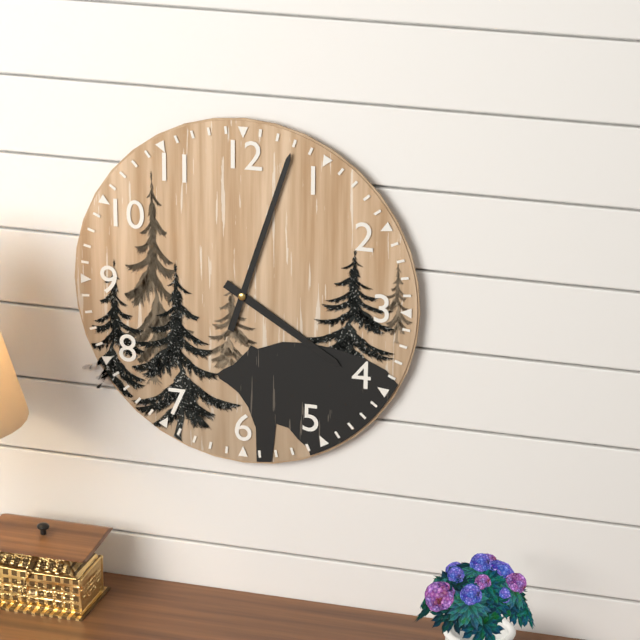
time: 4:03
